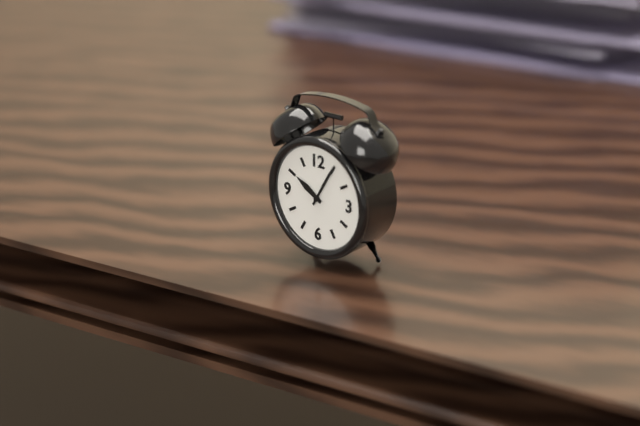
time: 10:05
